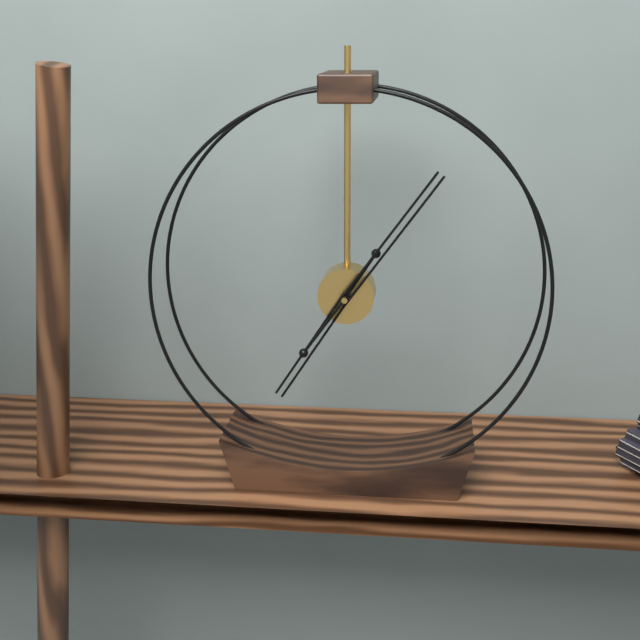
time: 7:06
